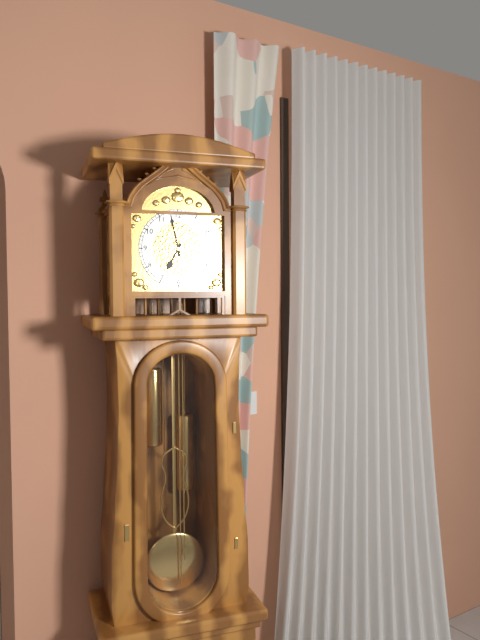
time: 6:58
